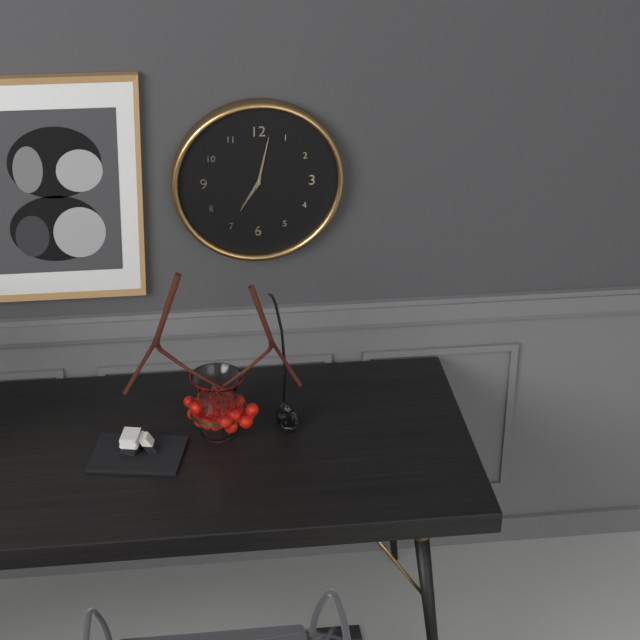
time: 7:02
